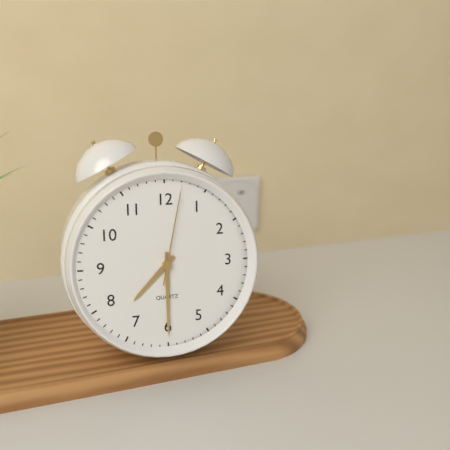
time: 7:30:02
